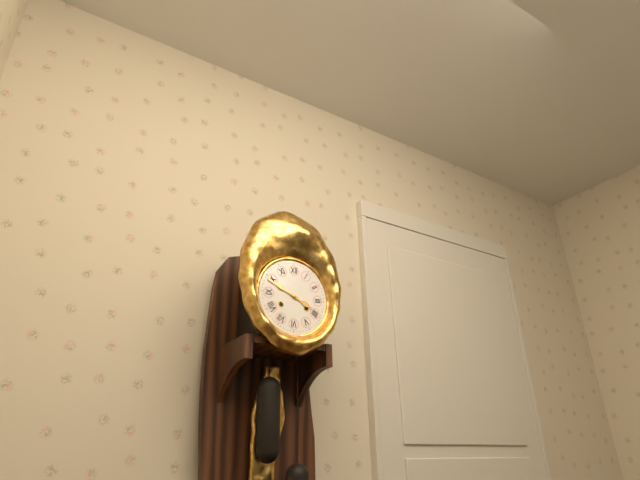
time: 3:49
